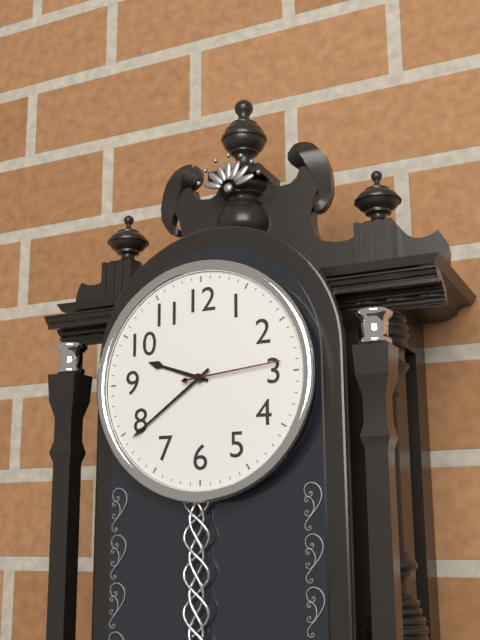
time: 9:39:14
